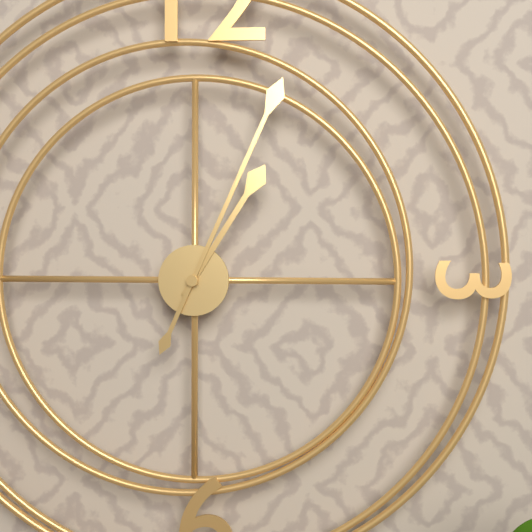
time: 1:04
